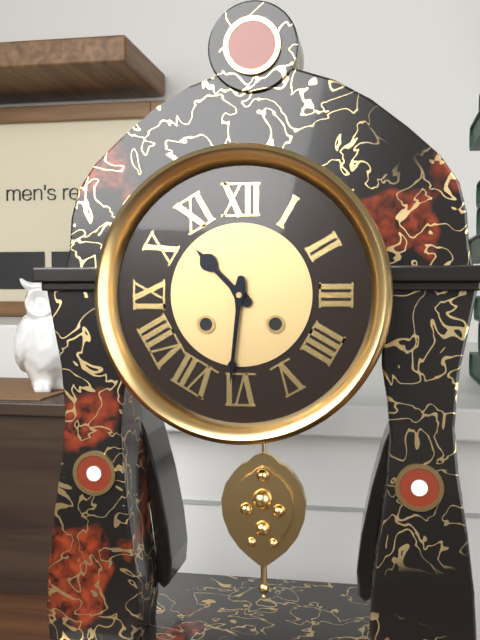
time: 10:31
